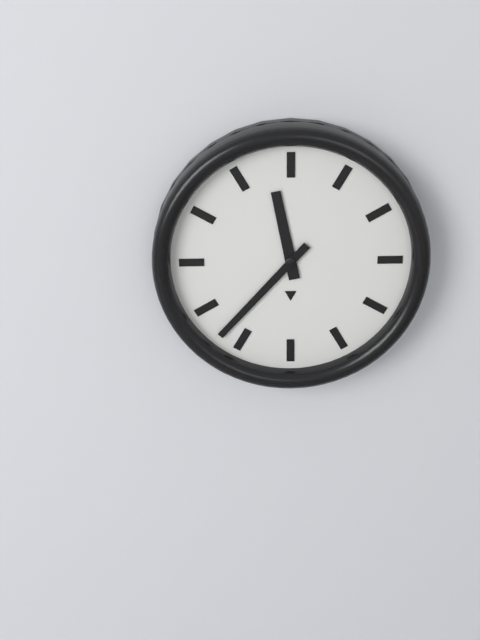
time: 11:37
